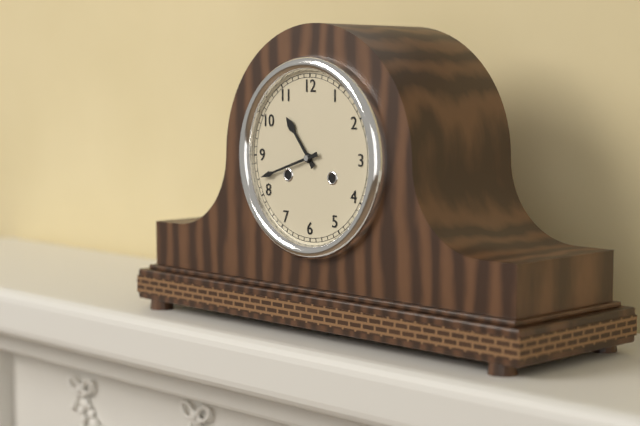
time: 10:42
